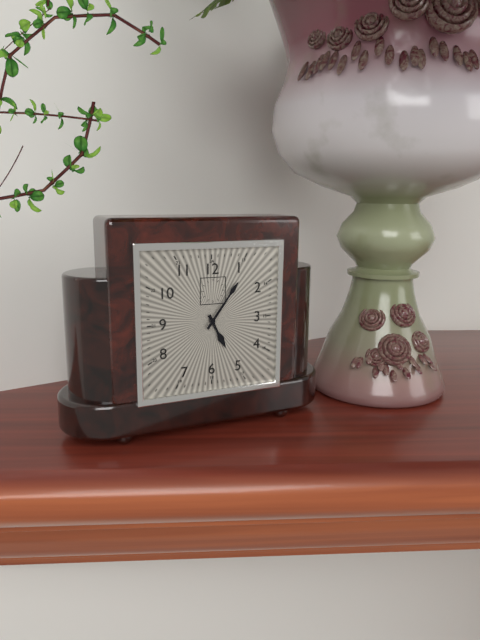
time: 5:06
